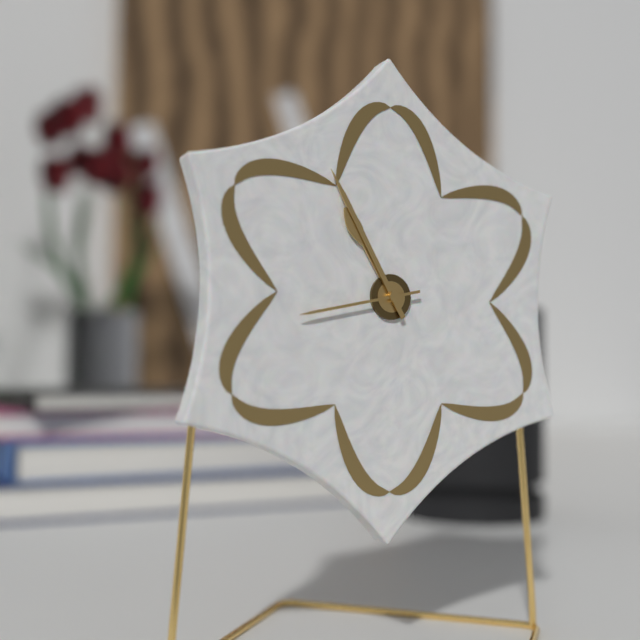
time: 10:55:43
